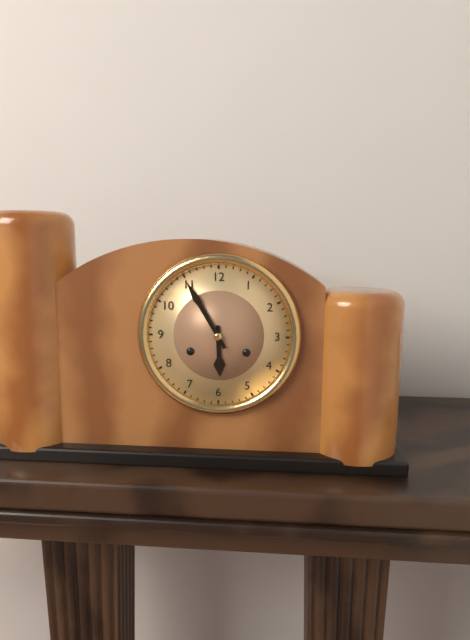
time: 5:55
